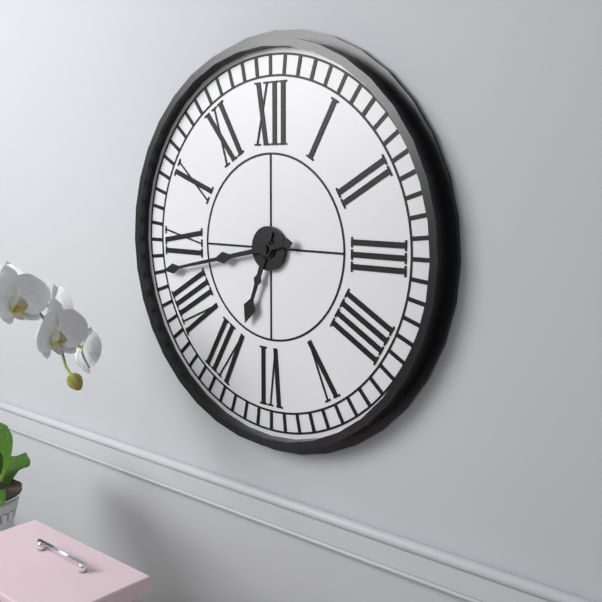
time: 6:43
